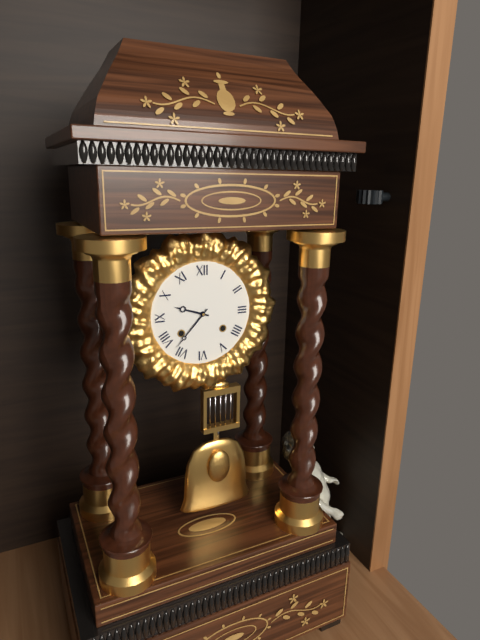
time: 9:37
